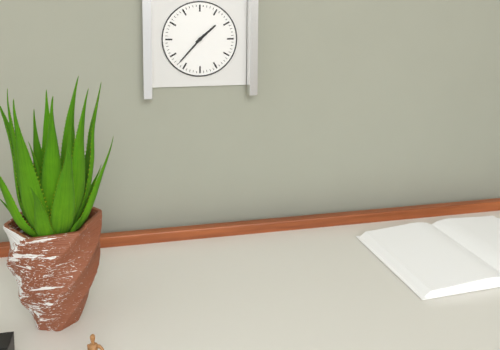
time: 1:37
